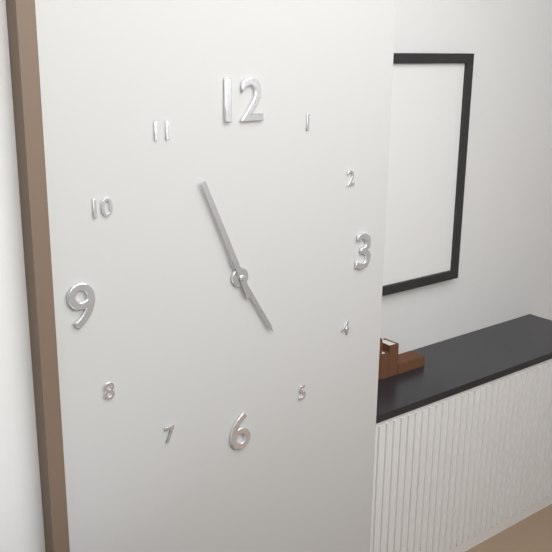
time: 4:56
